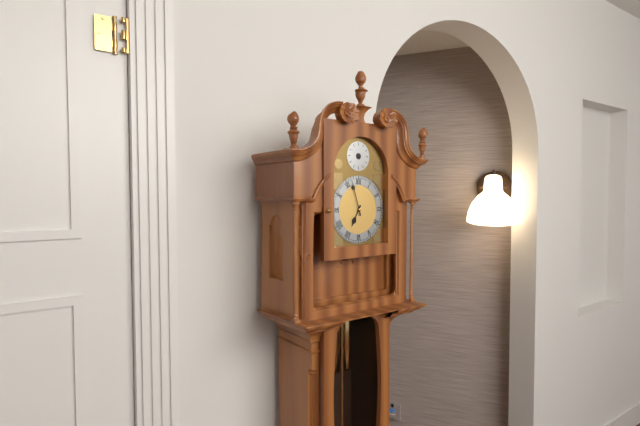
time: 6:57
